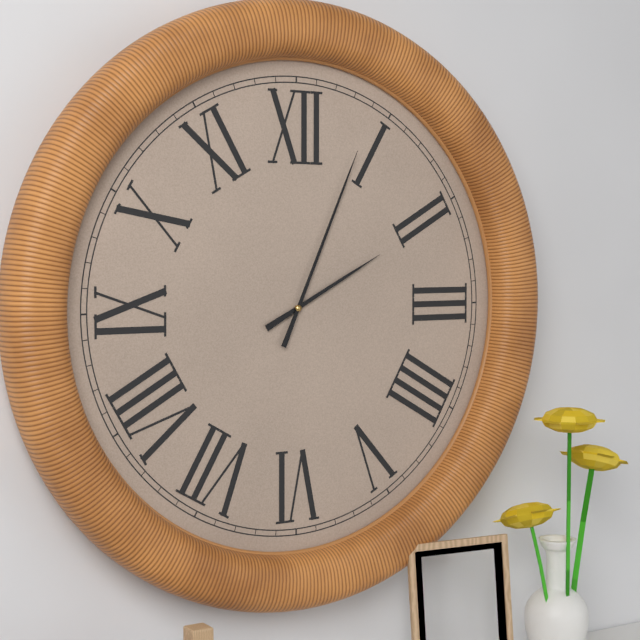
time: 2:04
